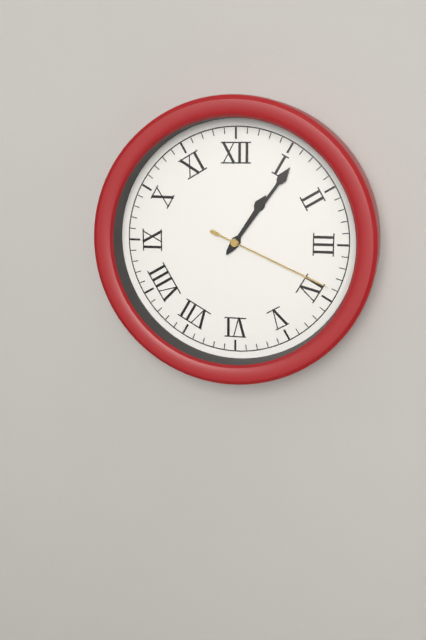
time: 1:06:19
